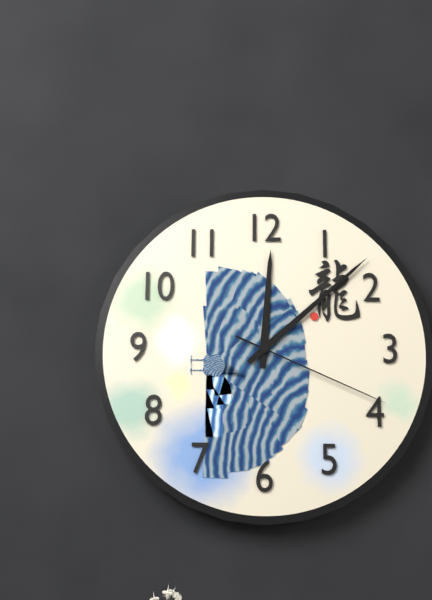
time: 12:08:19
